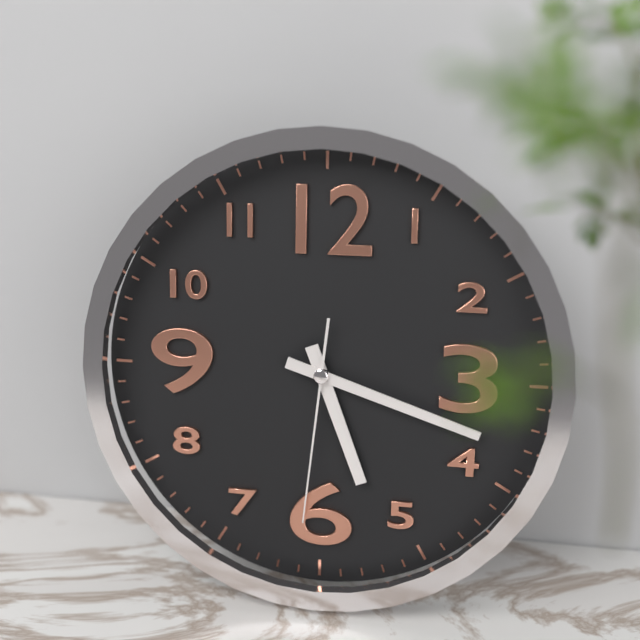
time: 5:18:31
